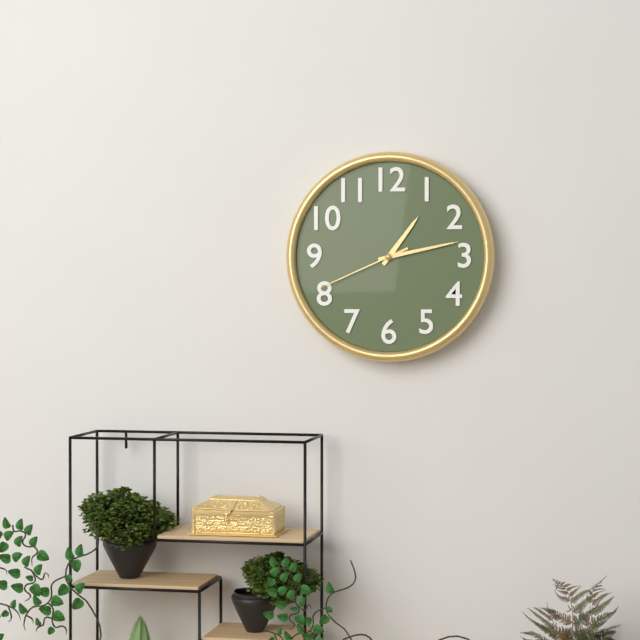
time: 1:13:41
